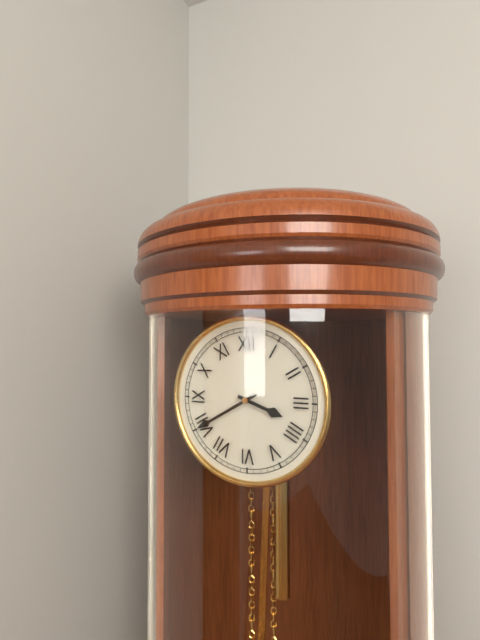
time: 3:40
